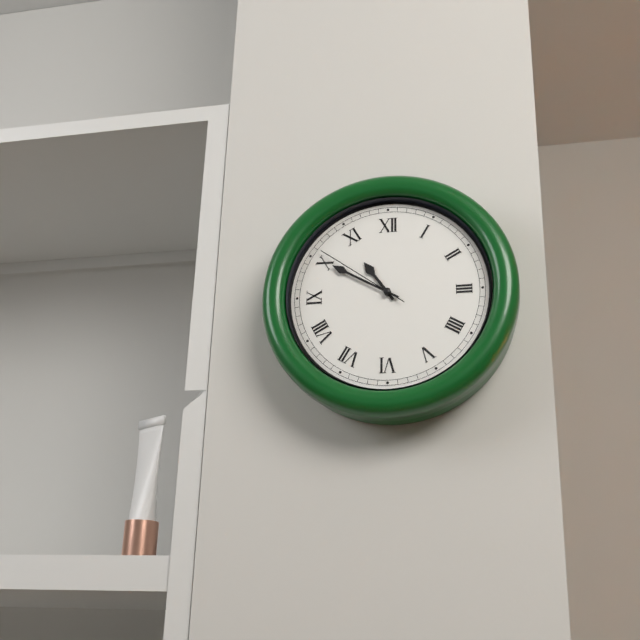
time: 10:50:51
